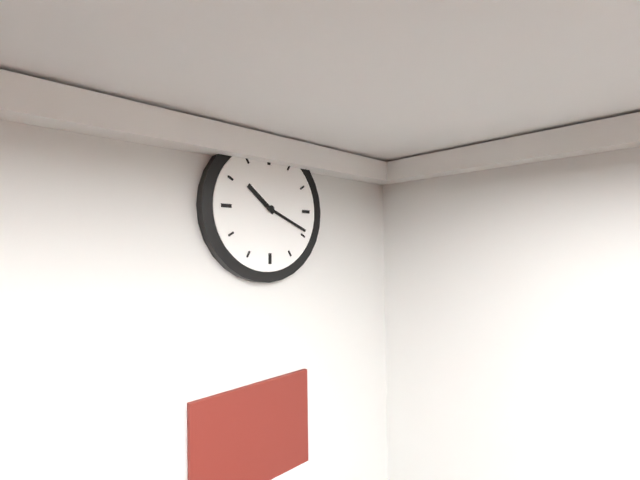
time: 10:19
